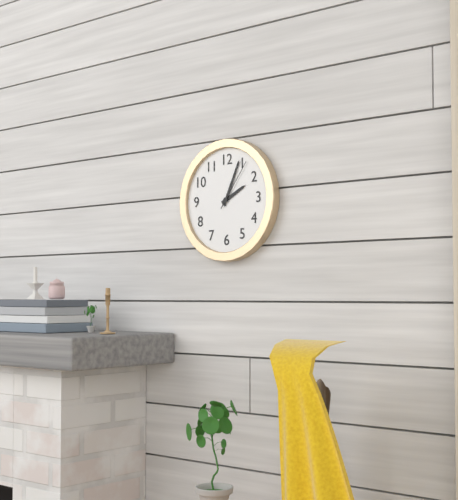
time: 2:04:06
